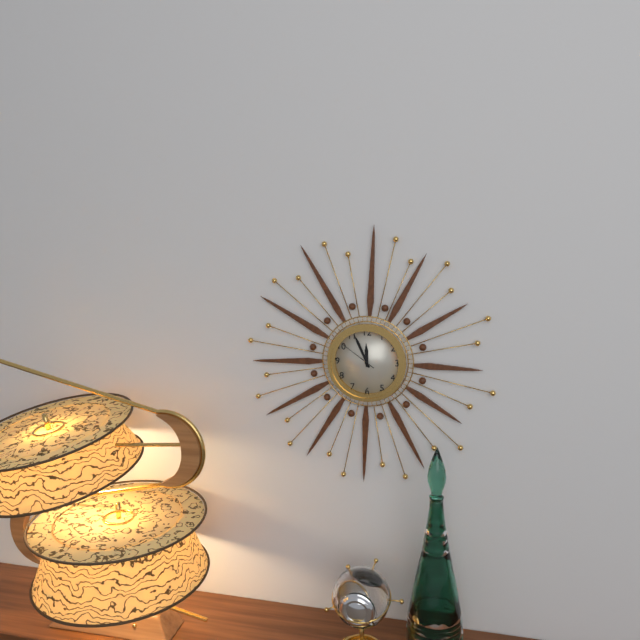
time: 11:56
